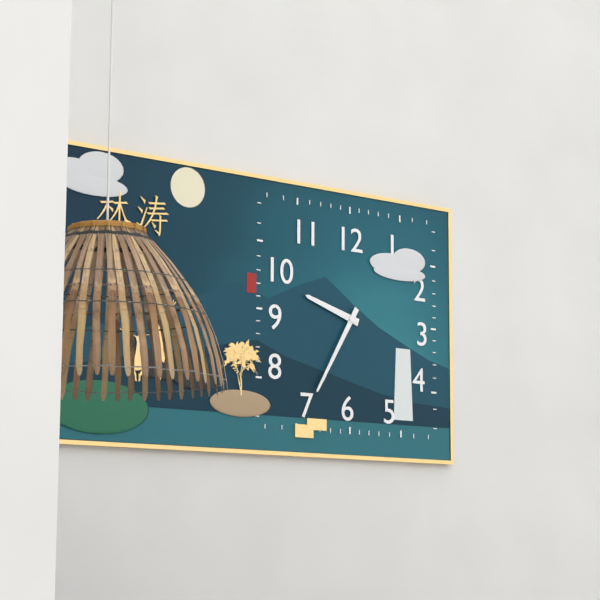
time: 9:35
